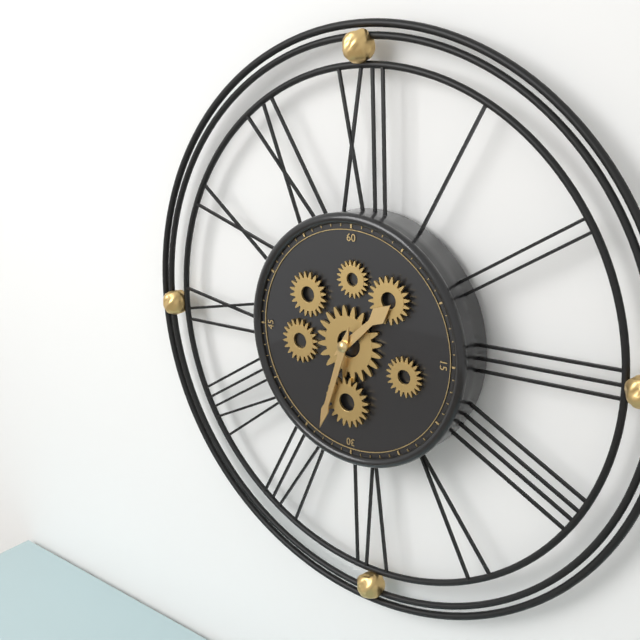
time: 1:33
